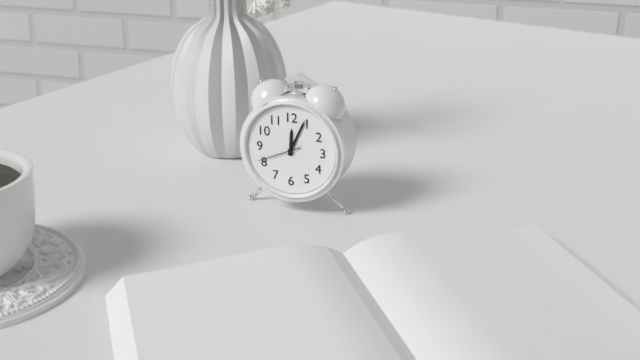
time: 12:04
